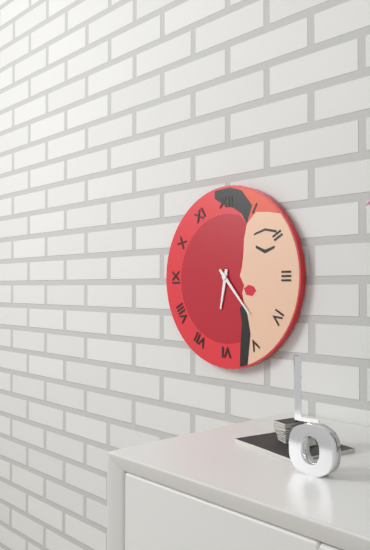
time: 6:23
